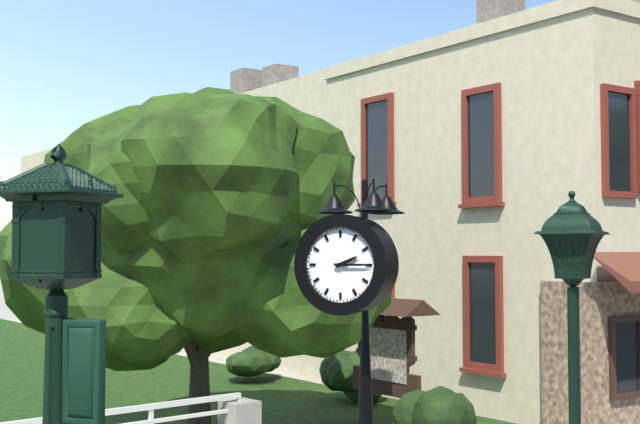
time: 2:15
